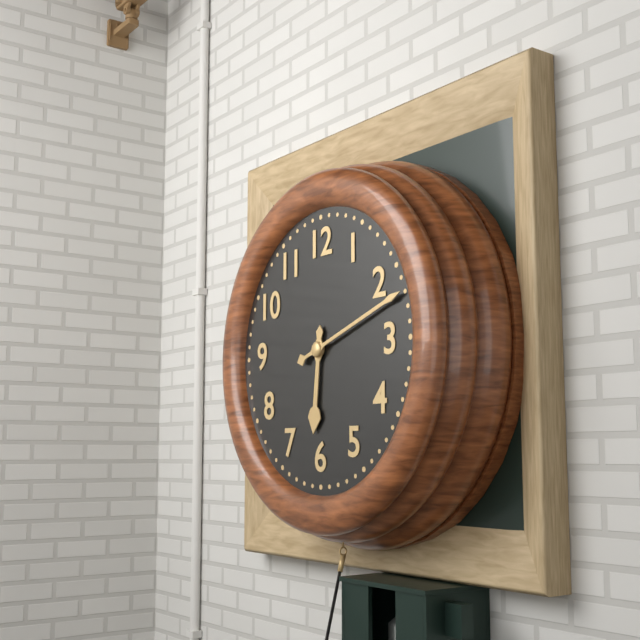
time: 6:12
